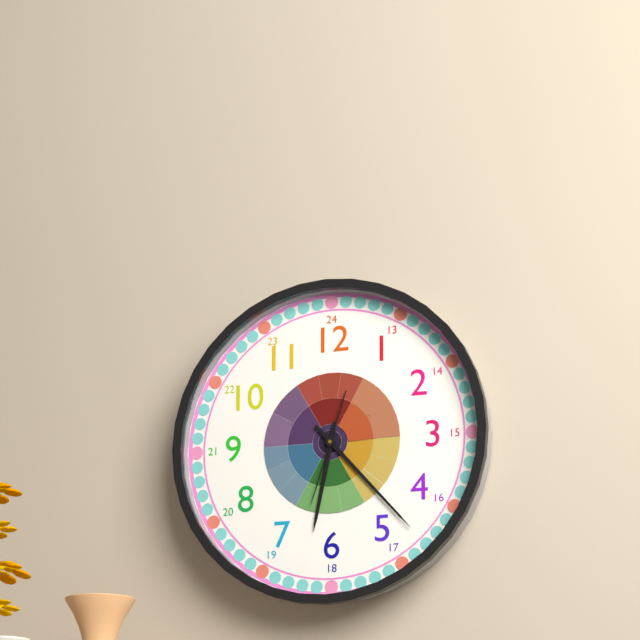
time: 6:23:33
